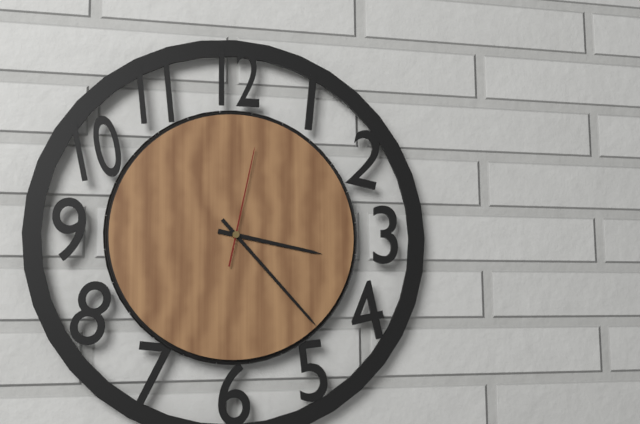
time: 3:23:02
